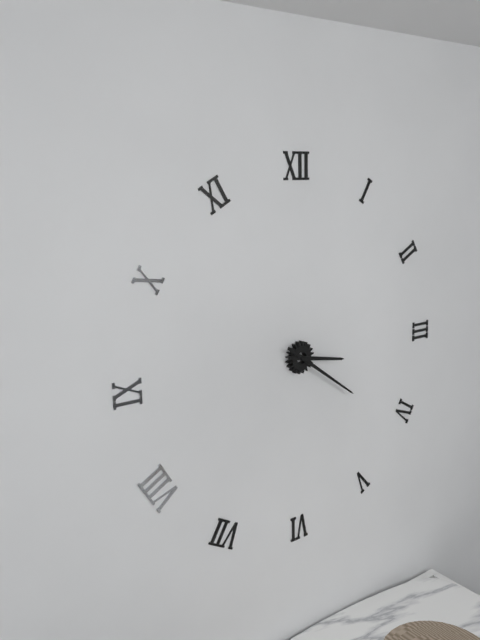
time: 3:21
